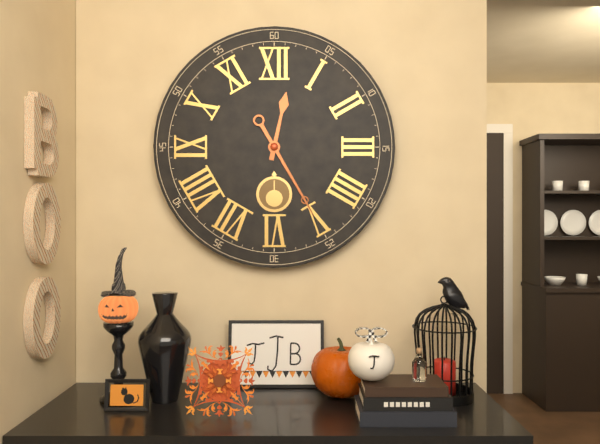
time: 12:25
